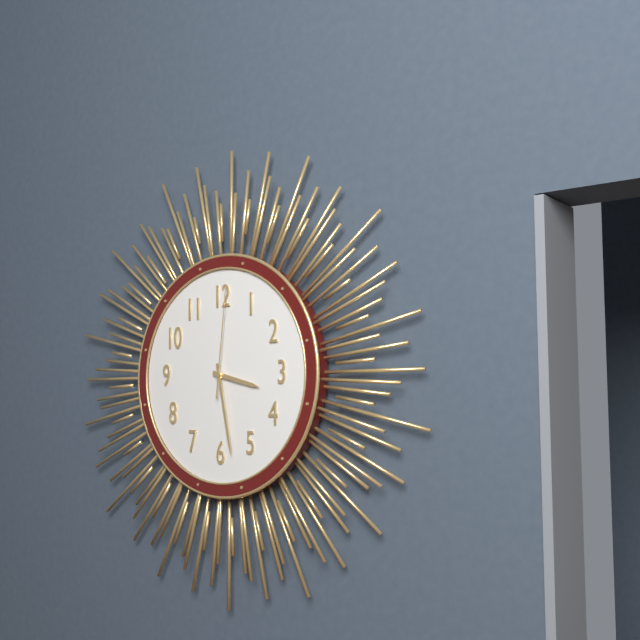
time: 3:28:01
